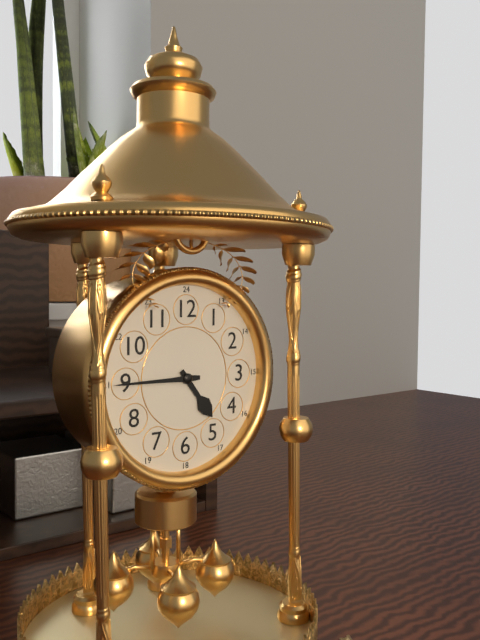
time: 4:45
